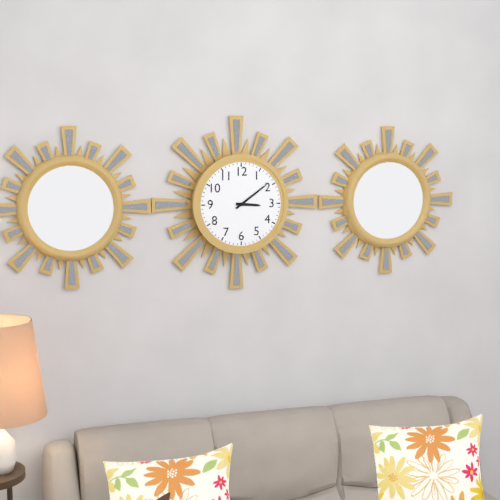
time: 3:09
